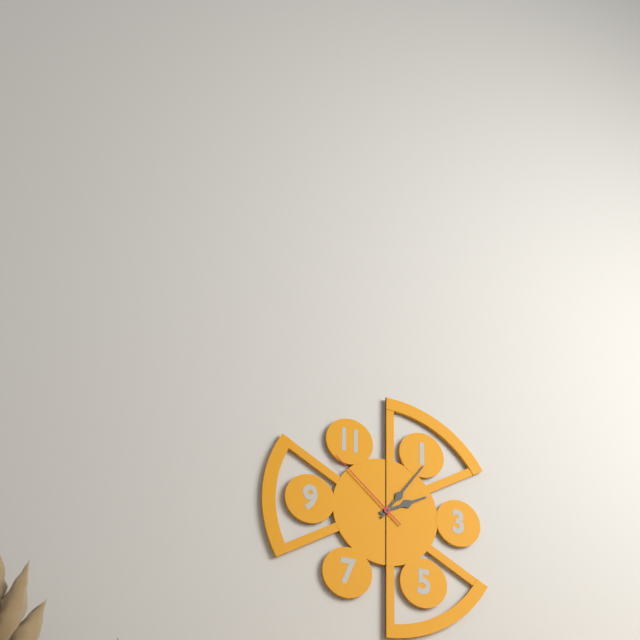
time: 2:06:52
